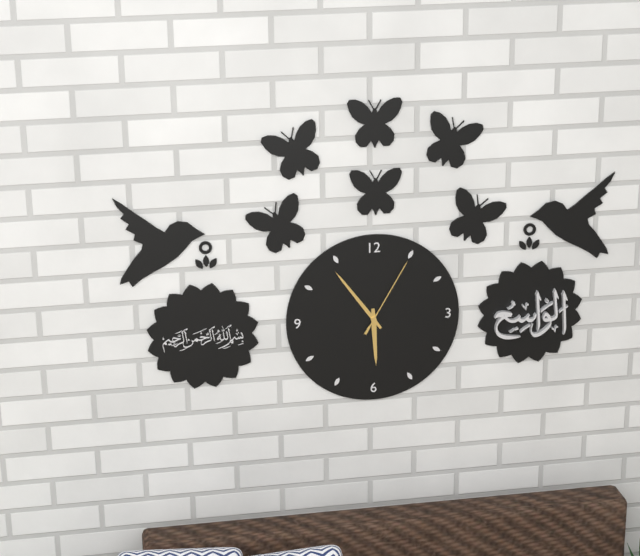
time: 5:54:05
